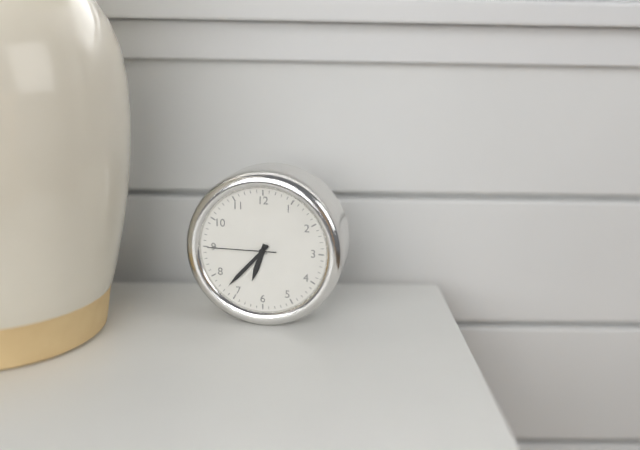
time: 6:37:45
